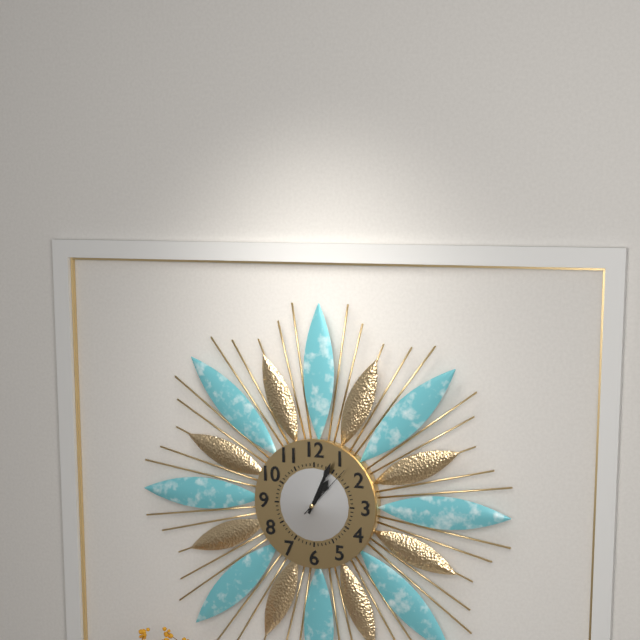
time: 1:04
